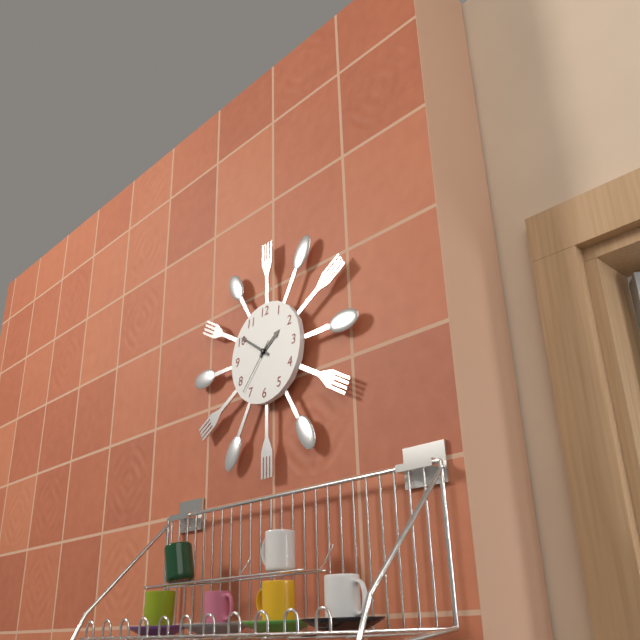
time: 1:51:37
